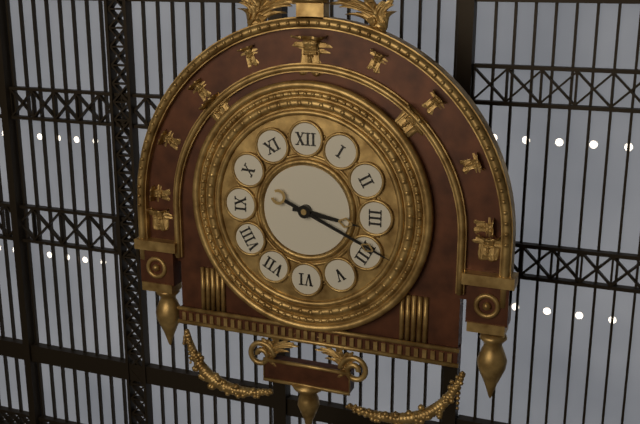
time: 3:19
